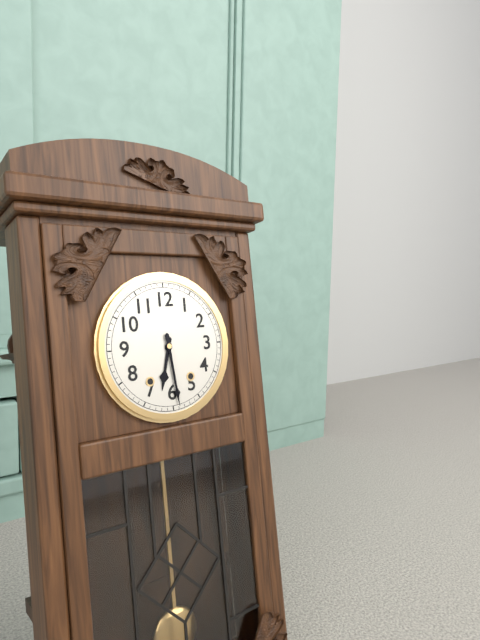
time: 6:29
